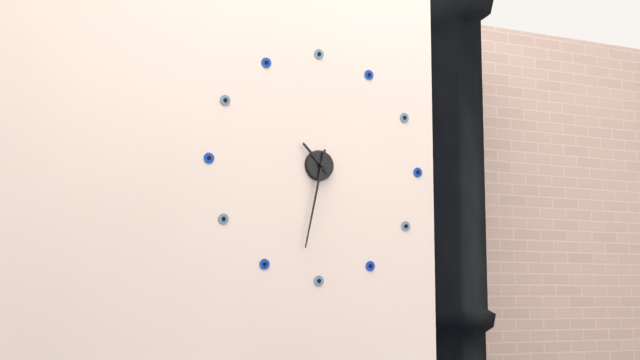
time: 10:32
